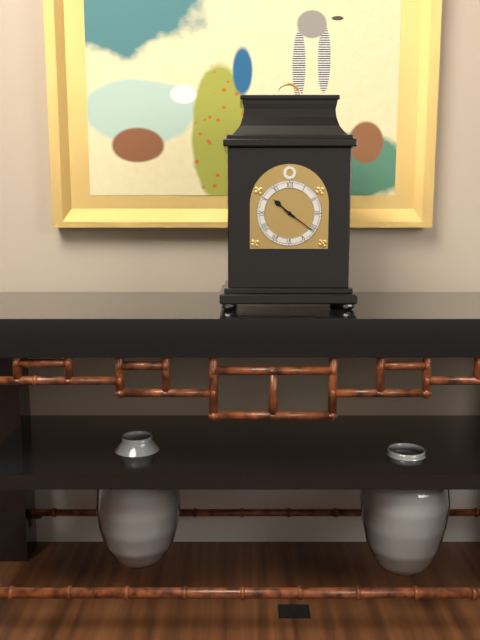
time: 10:21
